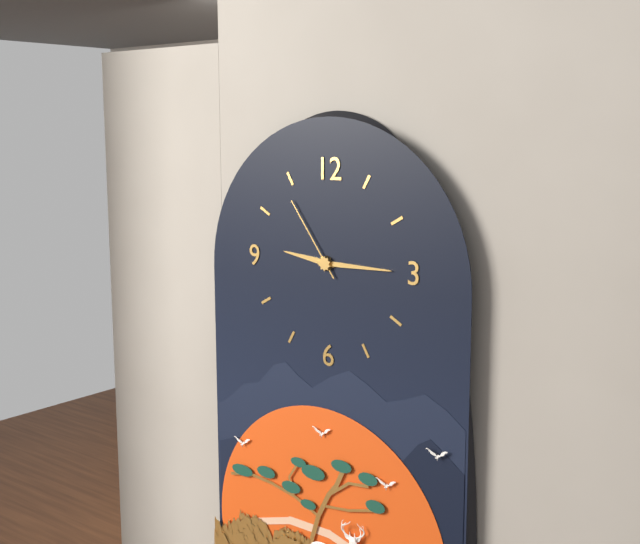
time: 9:15:54
